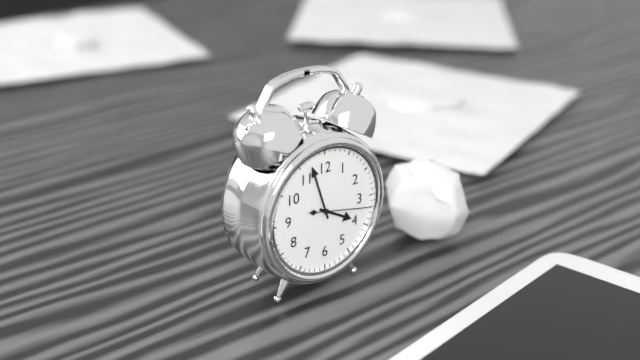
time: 3:57:17
